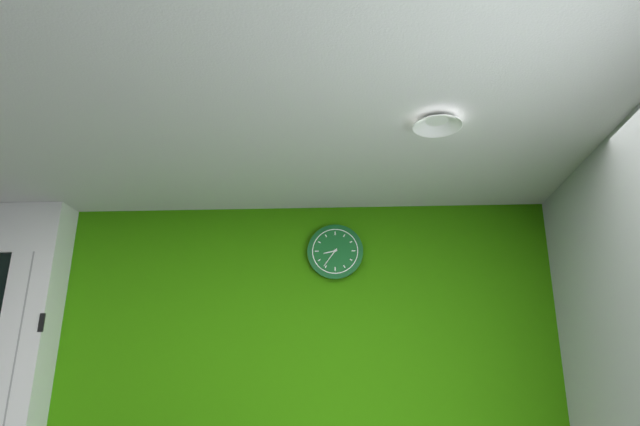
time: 8:36
